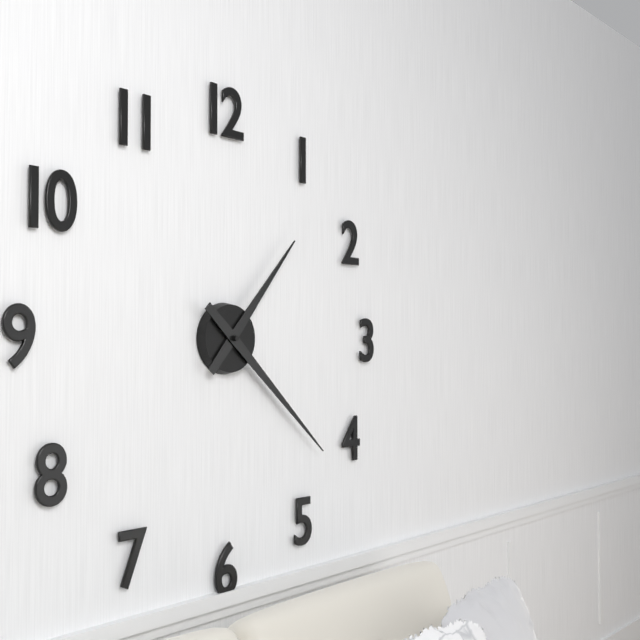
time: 1:22
